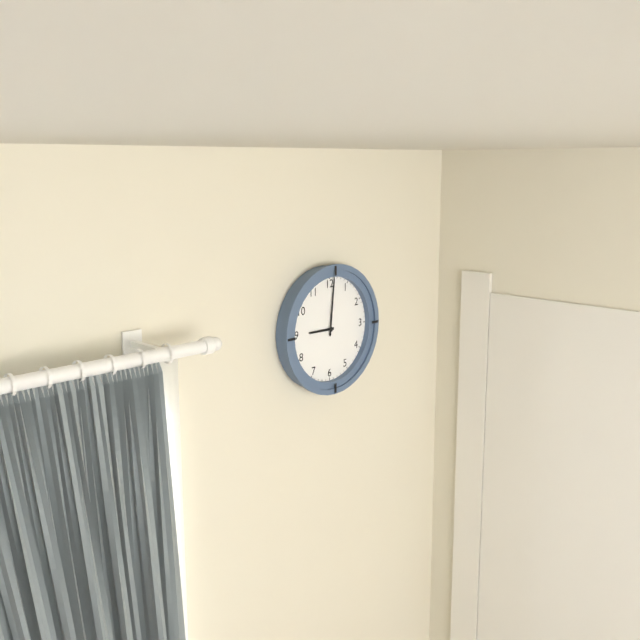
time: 9:01
